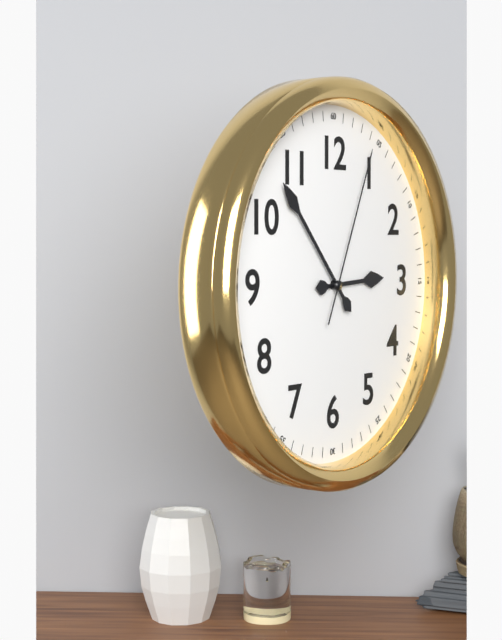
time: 2:53:04
